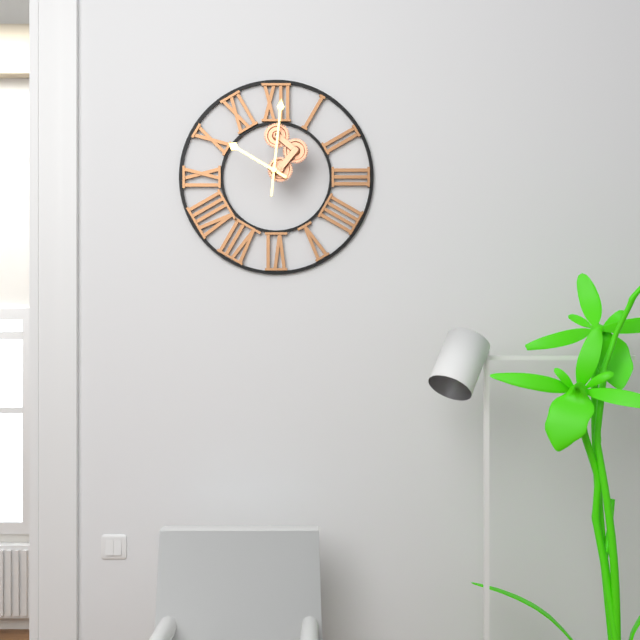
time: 10:01
